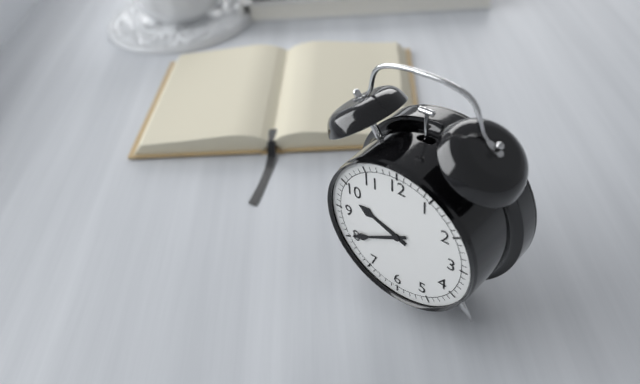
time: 9:40
